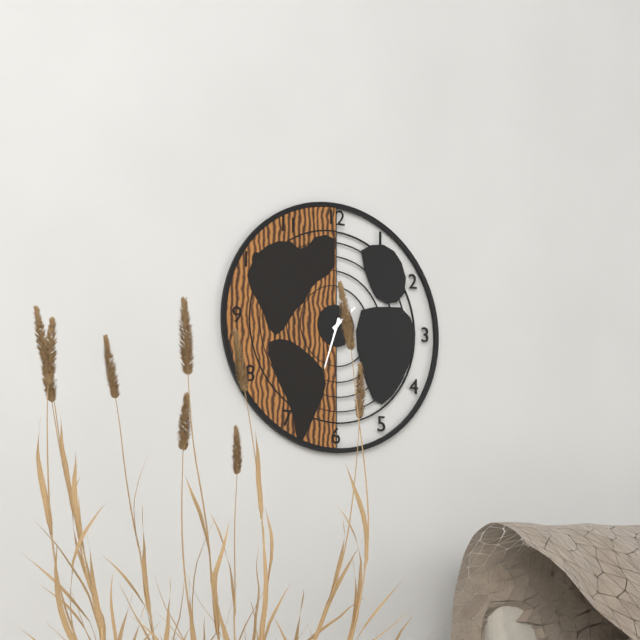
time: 1:33
